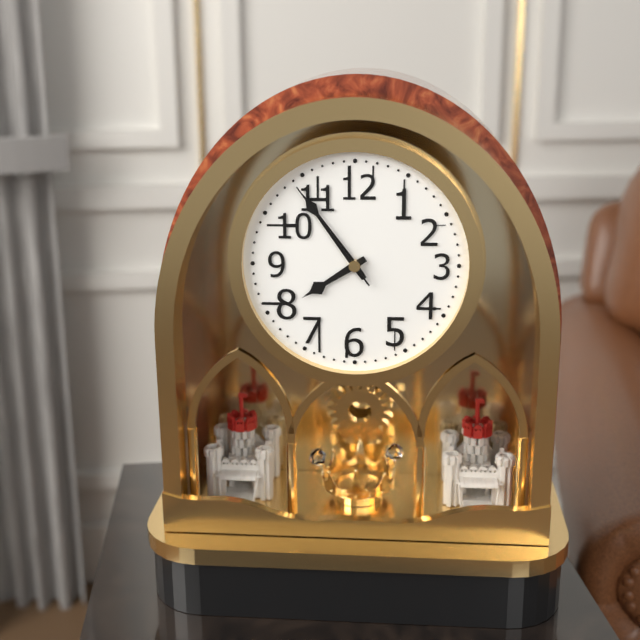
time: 7:54:54
